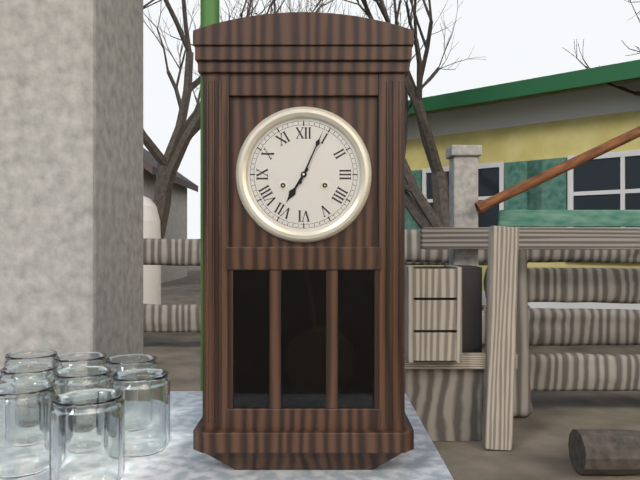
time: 7:04
